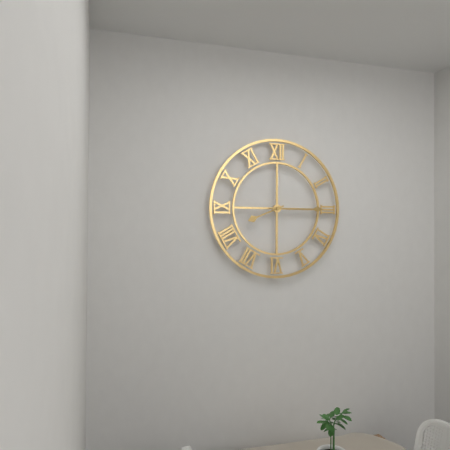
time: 8:15
